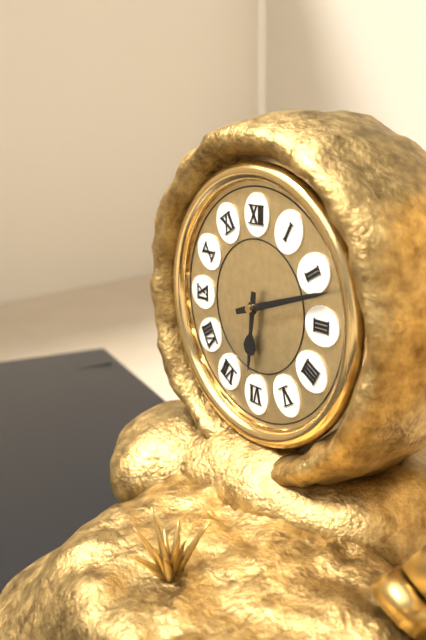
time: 6:12
